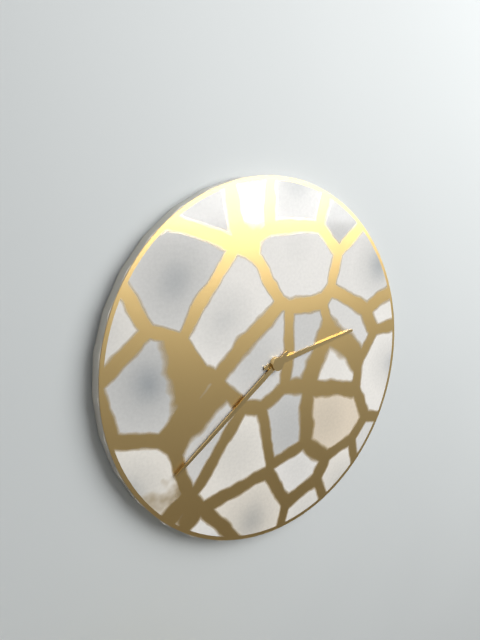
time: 2:39
